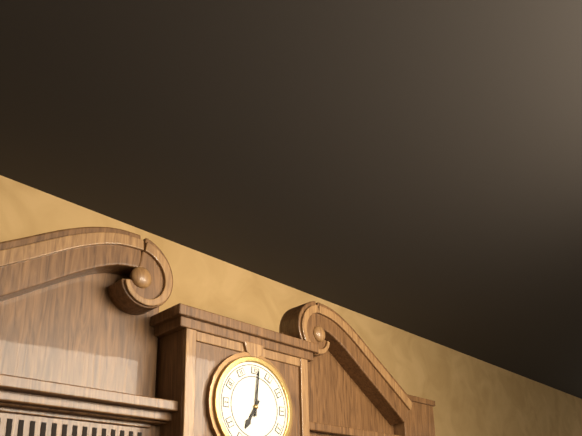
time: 7:01
